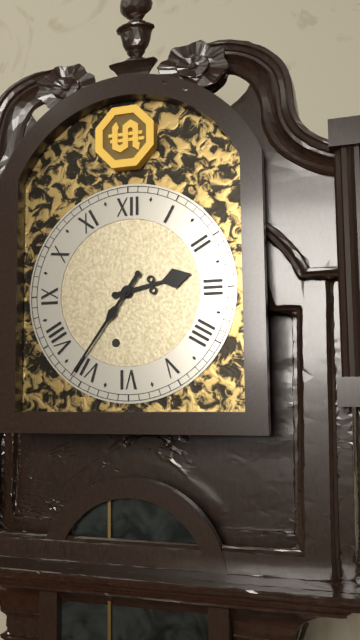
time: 2:36
